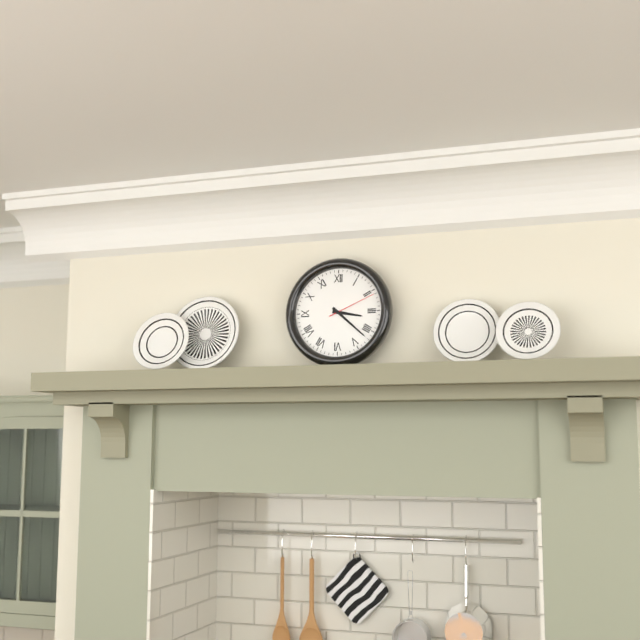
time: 3:22:11
